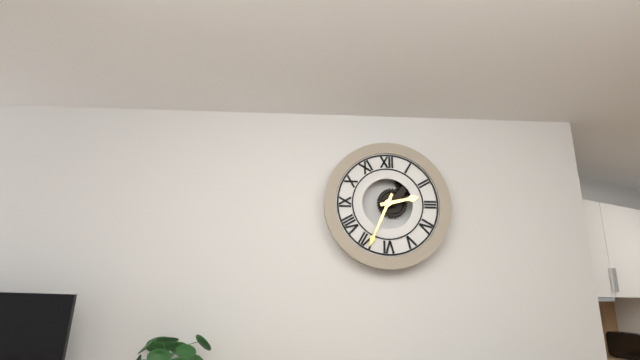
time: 2:34
